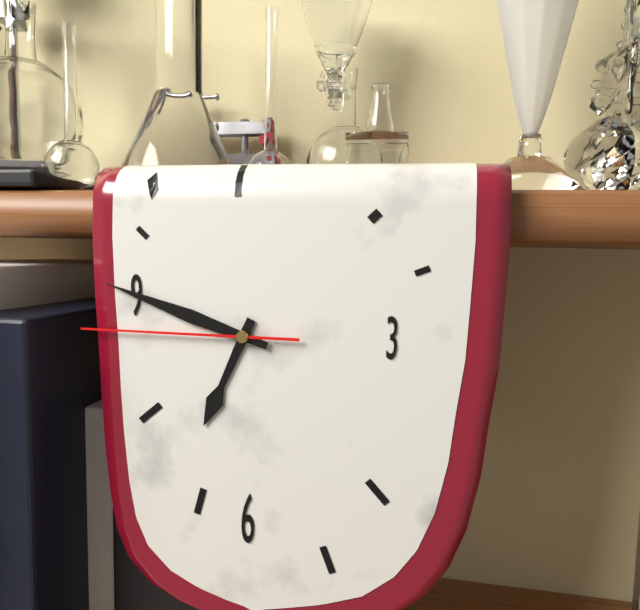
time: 6:48:45
